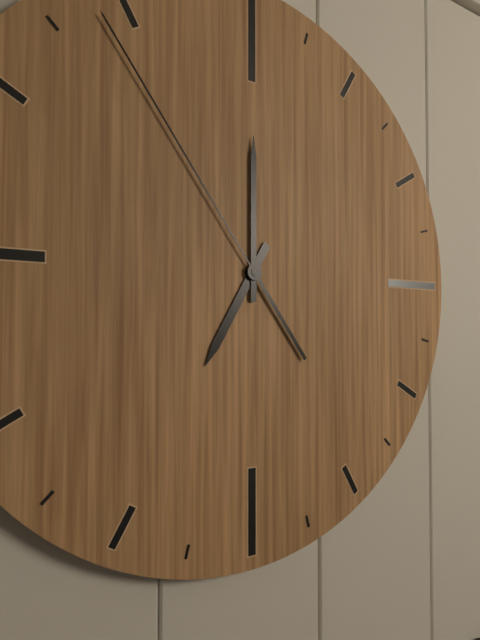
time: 7:00:54
